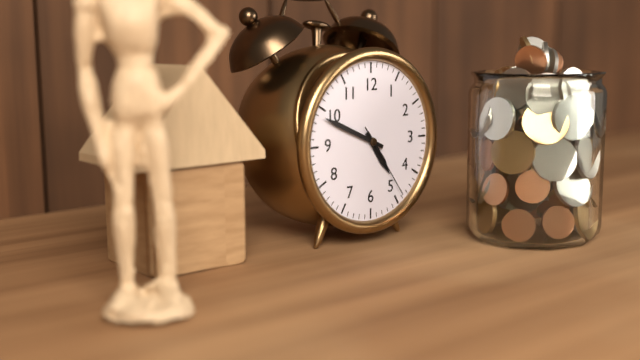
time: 4:49:24
